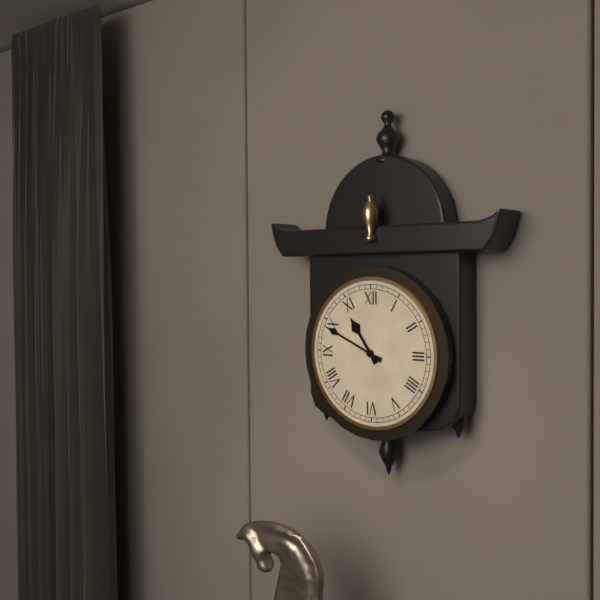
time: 10:49
